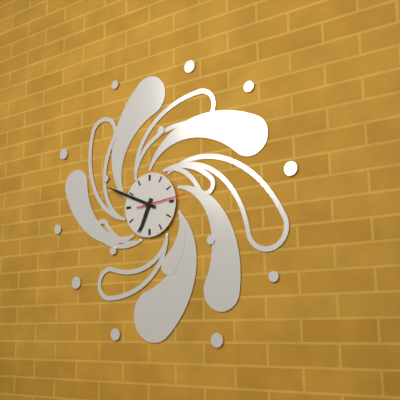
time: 6:49:14
